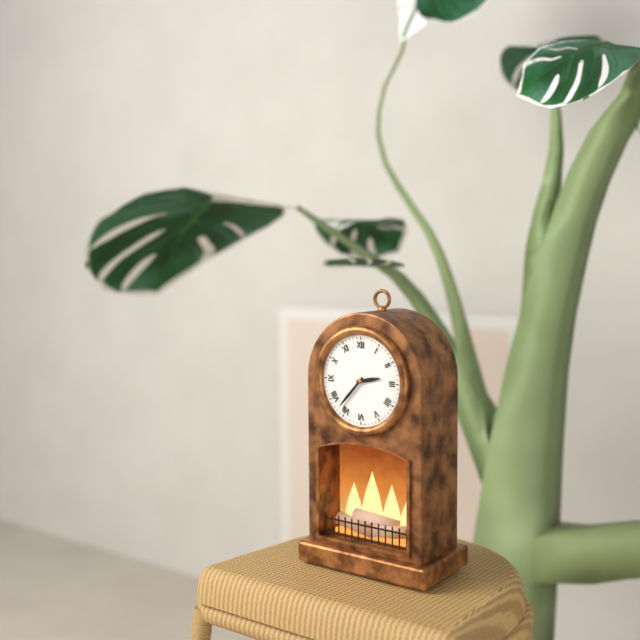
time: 2:37
